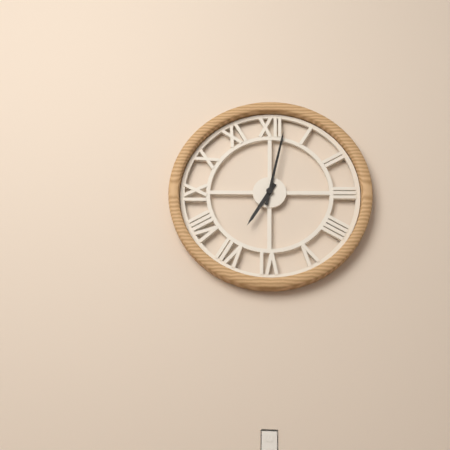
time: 7:02
